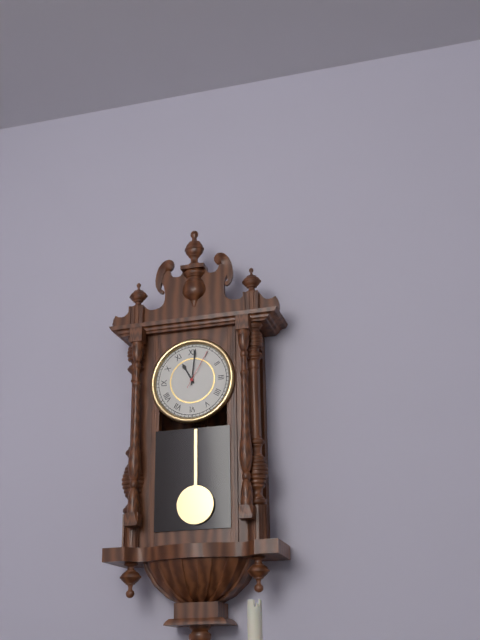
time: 11:01
